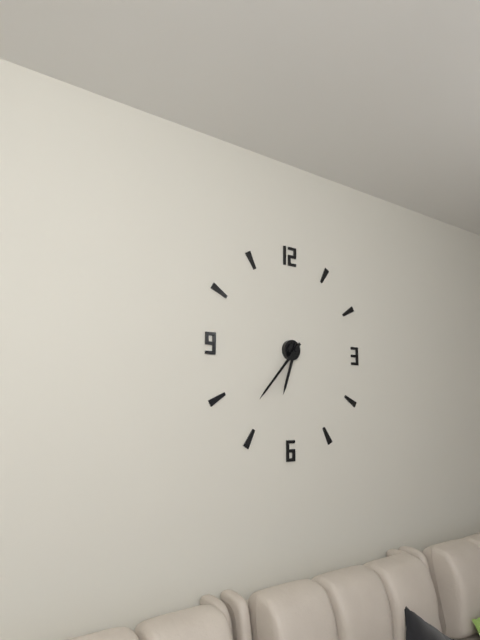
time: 6:37
